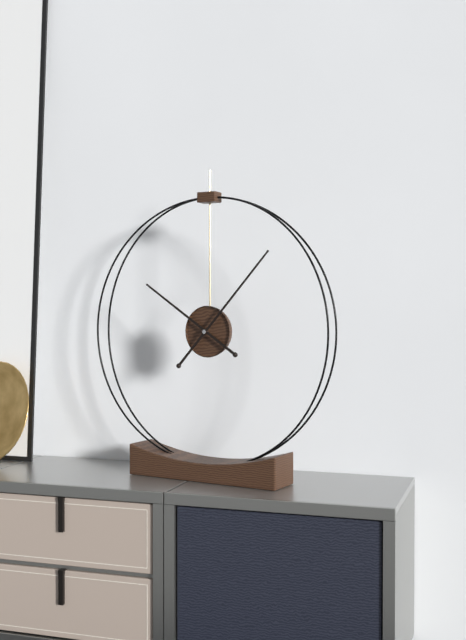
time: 10:07
